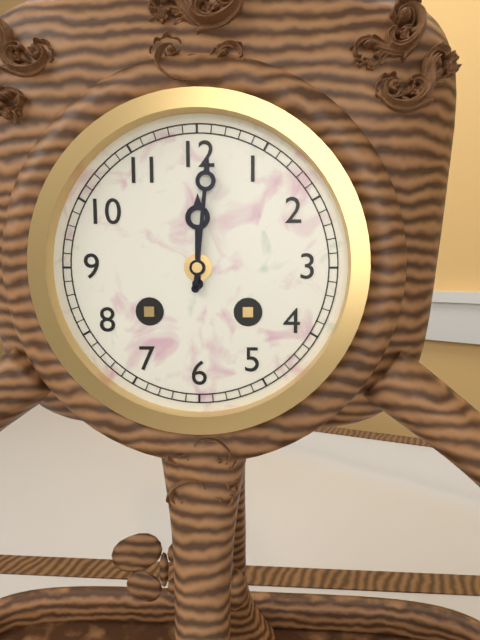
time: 12:01
